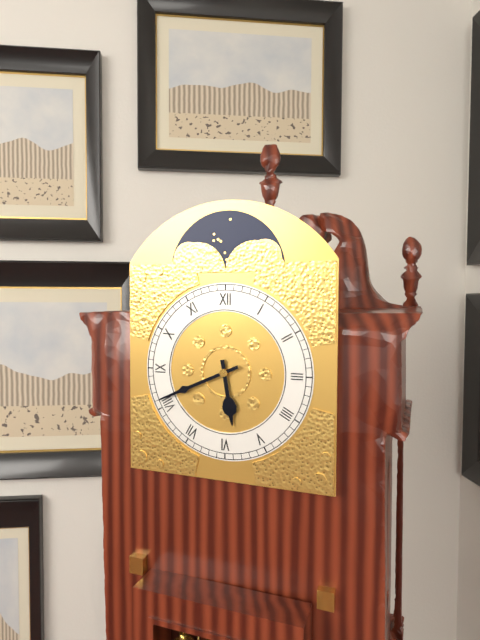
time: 5:41
